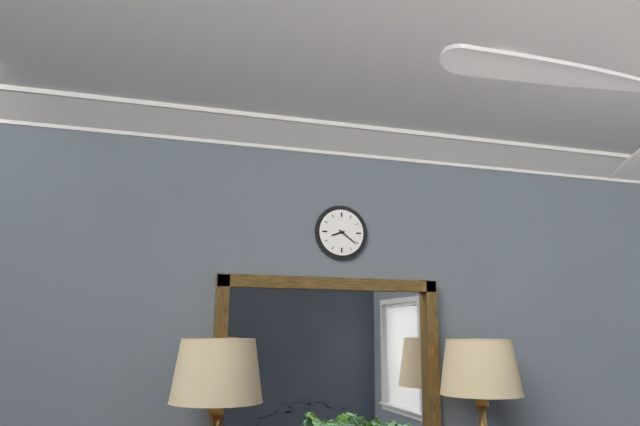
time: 8:21
